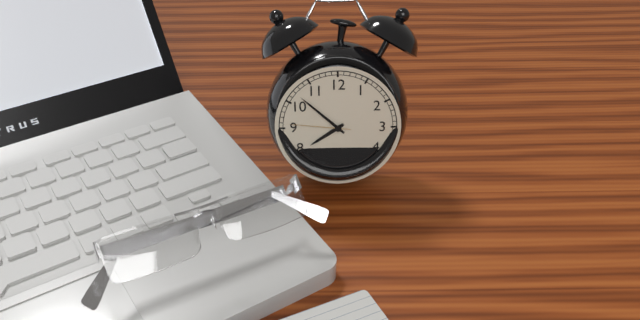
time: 7:52:46
